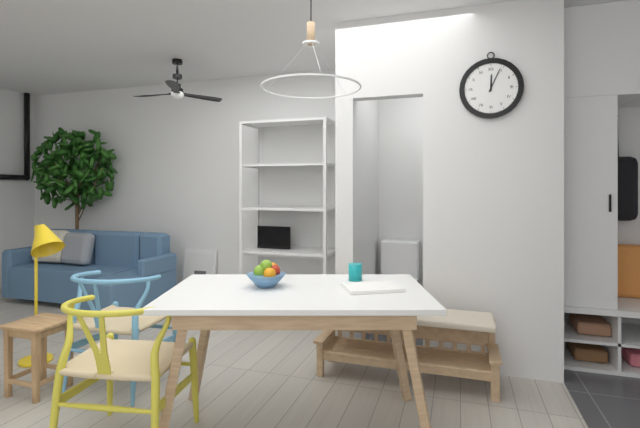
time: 12:04
